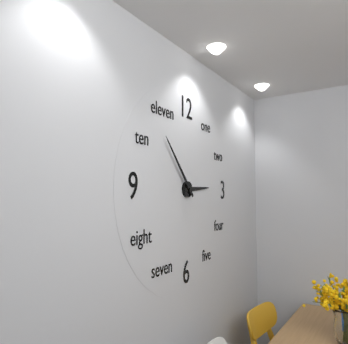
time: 2:53
